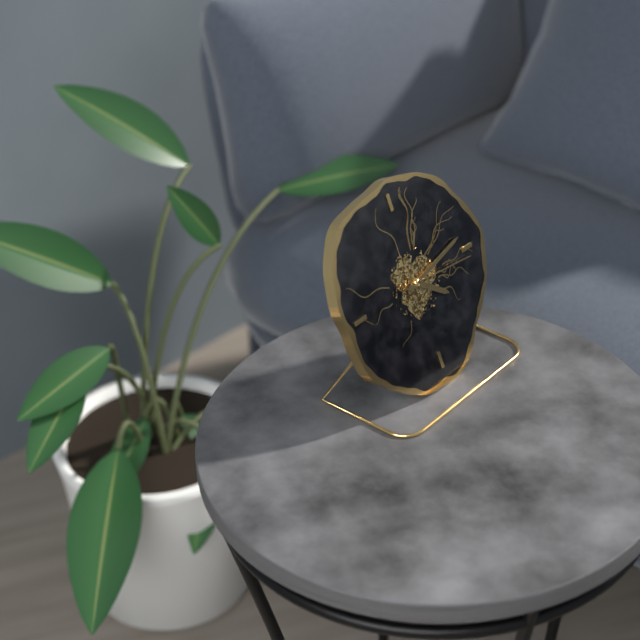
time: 4:13:16
